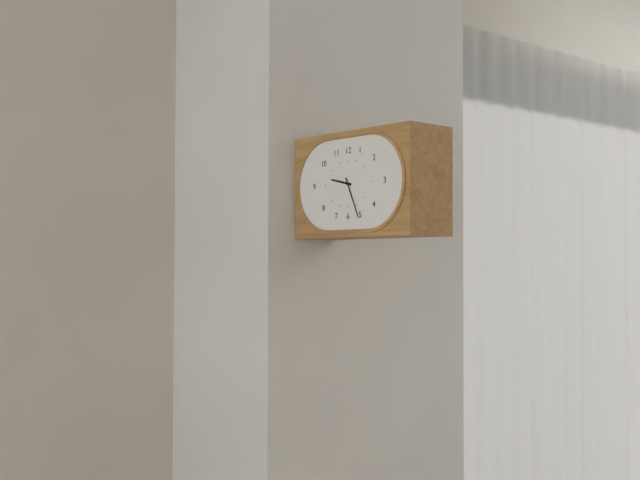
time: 9:26
